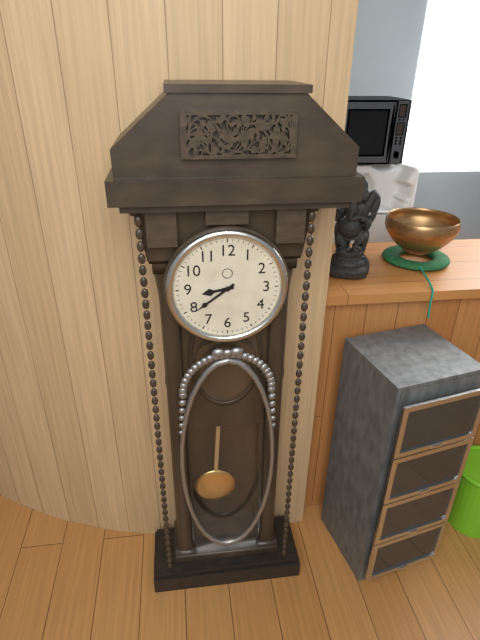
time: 8:39
